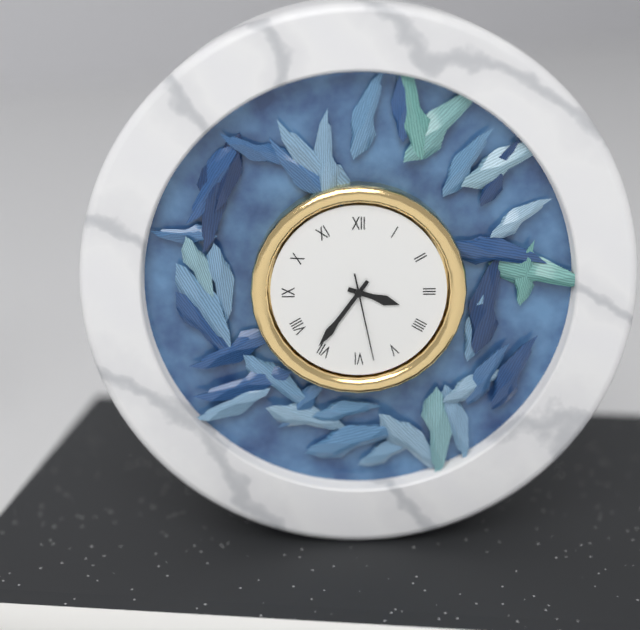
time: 3:36:28
